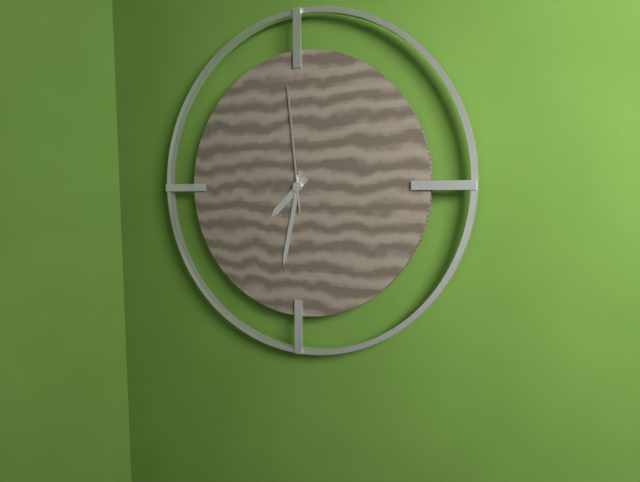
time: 7:32:59
